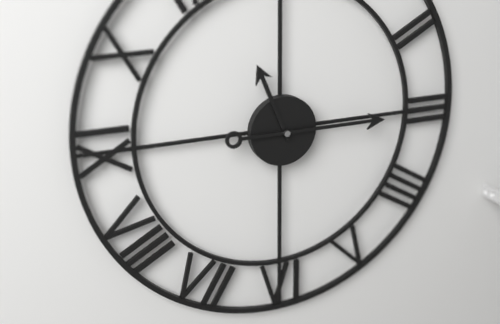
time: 11:15
